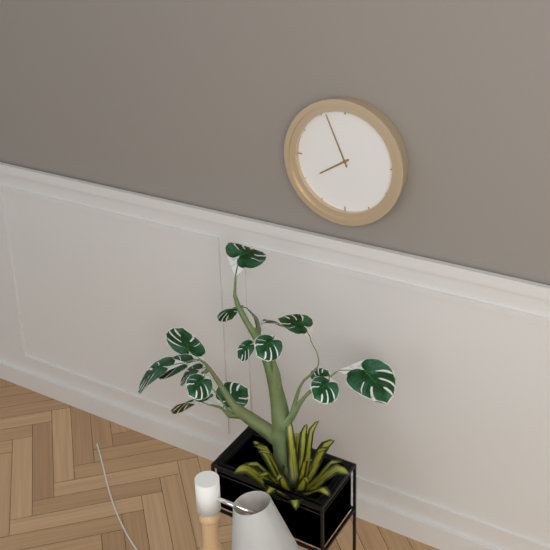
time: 7:56
